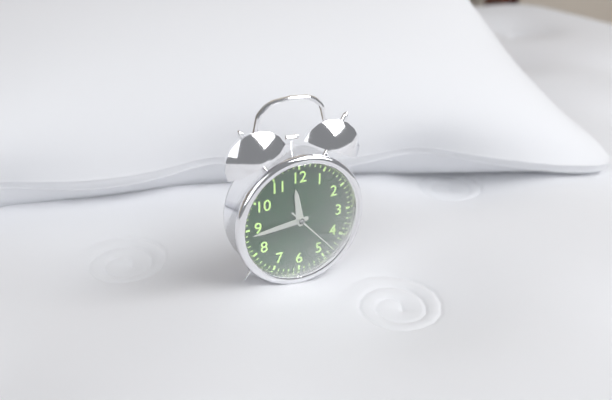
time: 11:44:23
